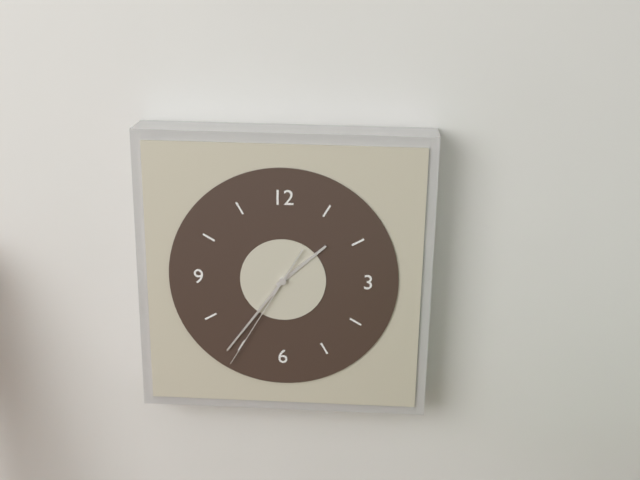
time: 1:36:35
